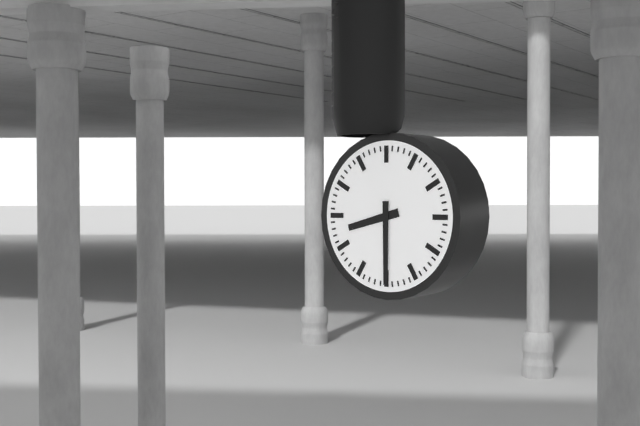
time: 8:30
